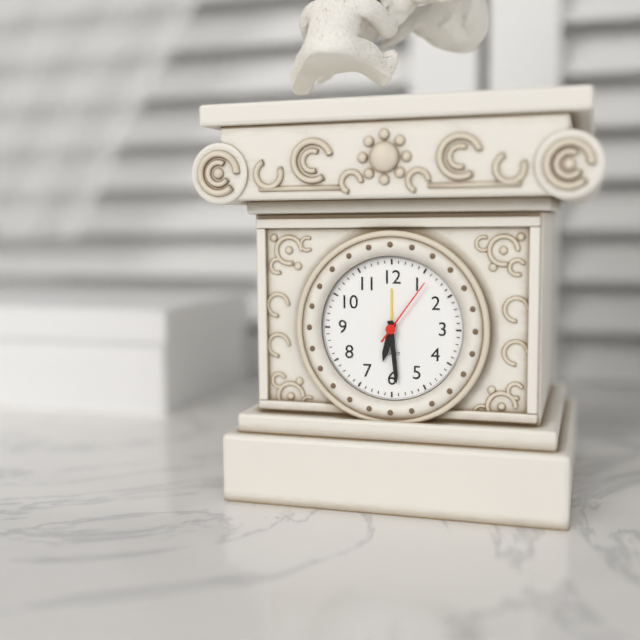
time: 6:29:06
